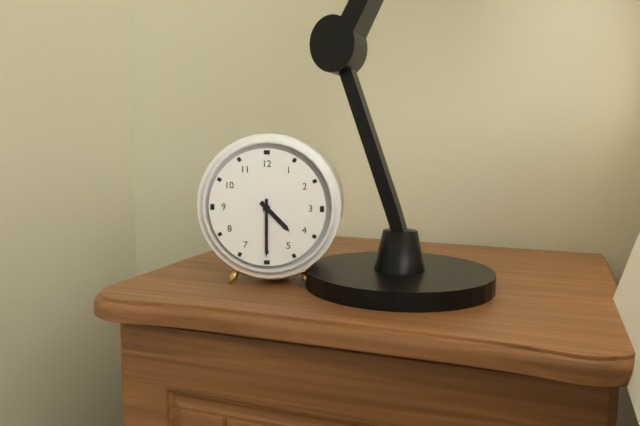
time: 4:30
